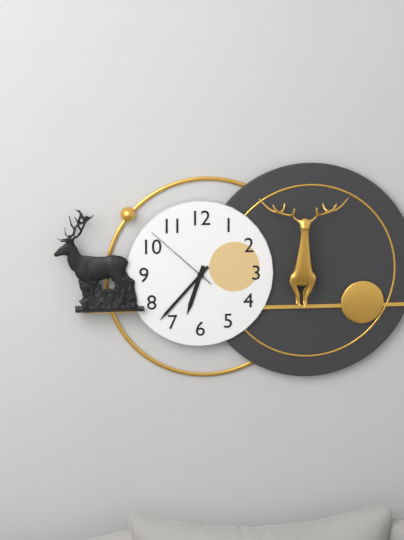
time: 6:37:52
